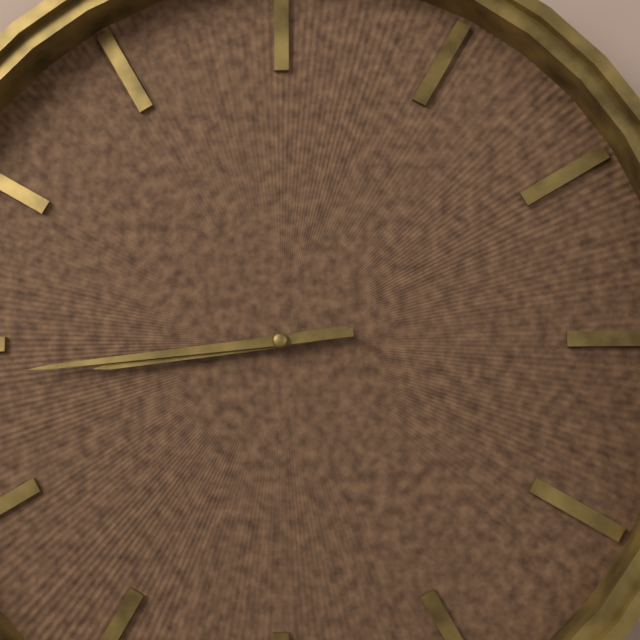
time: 8:44
